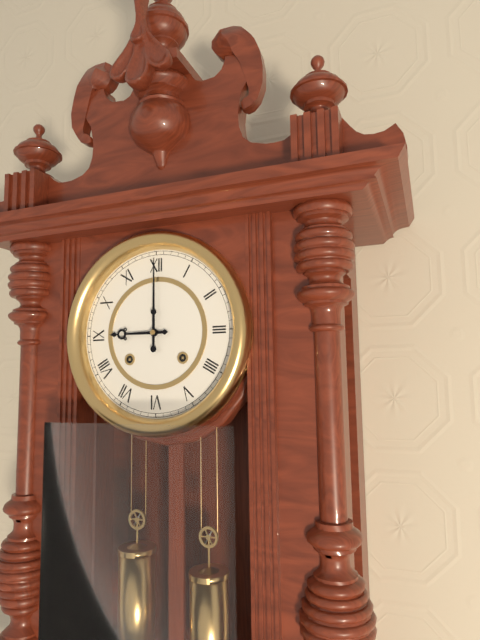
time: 9:00
